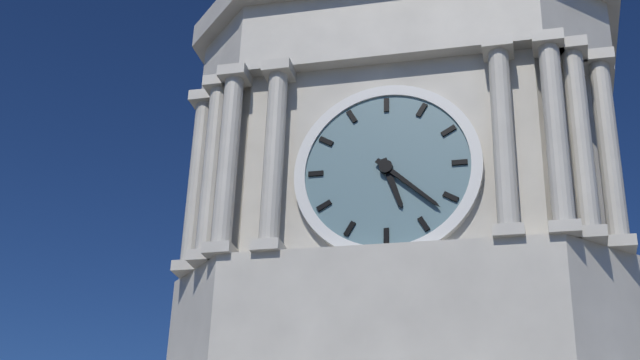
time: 5:22
